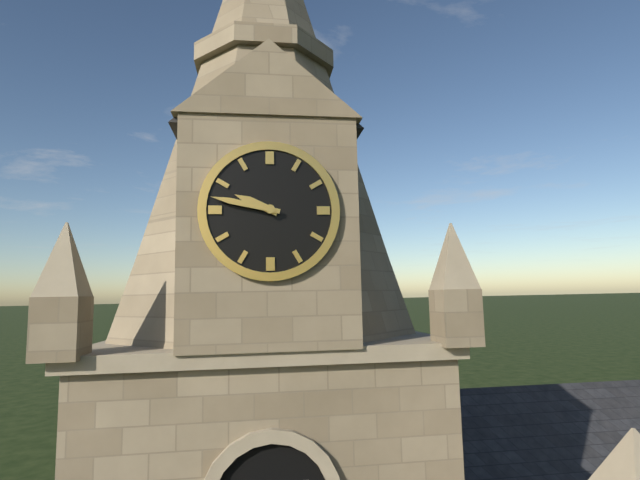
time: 9:47
